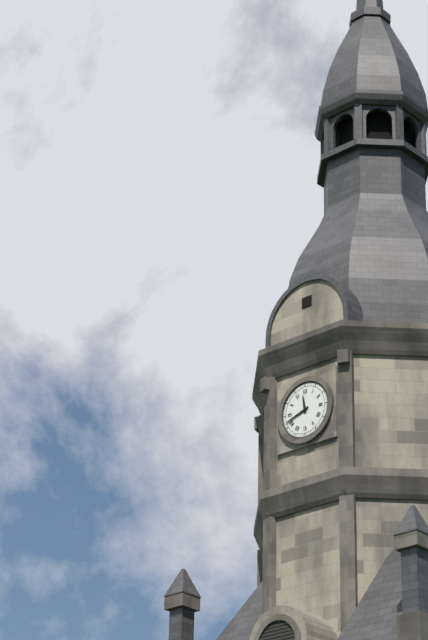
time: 11:42
